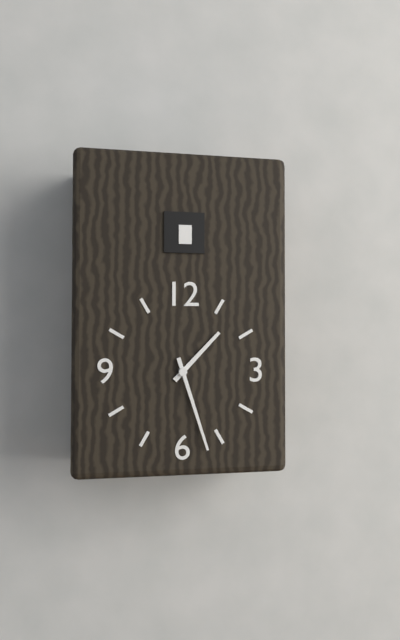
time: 1:27
